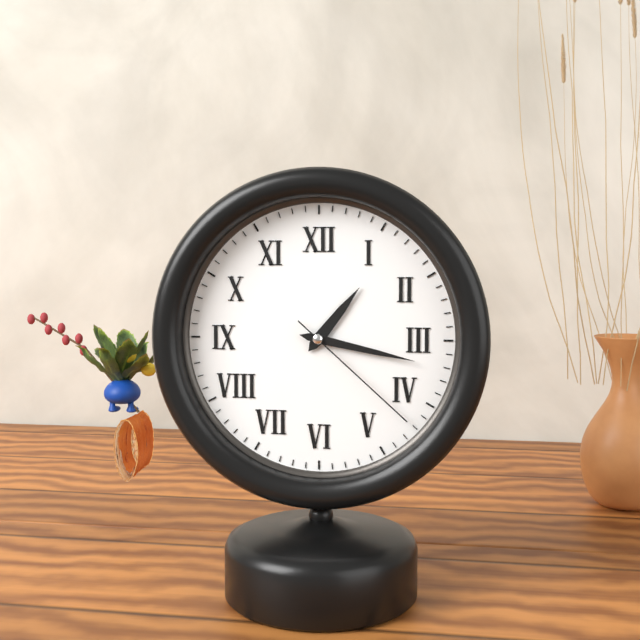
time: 1:17:22
